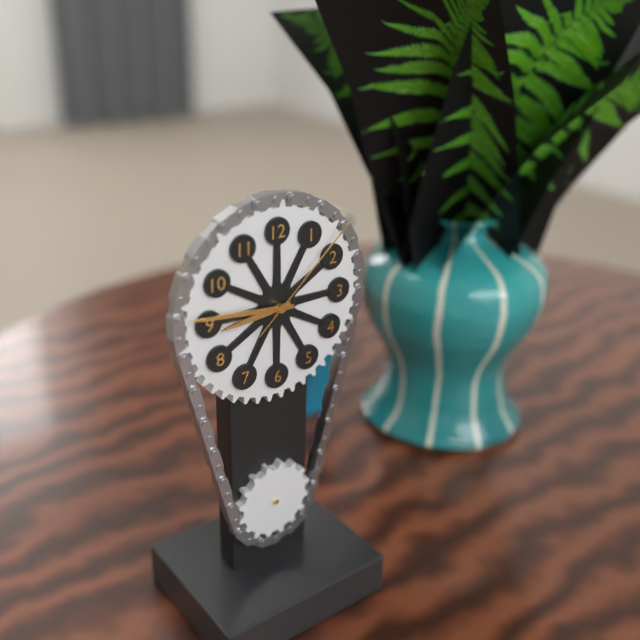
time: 8:46:08
